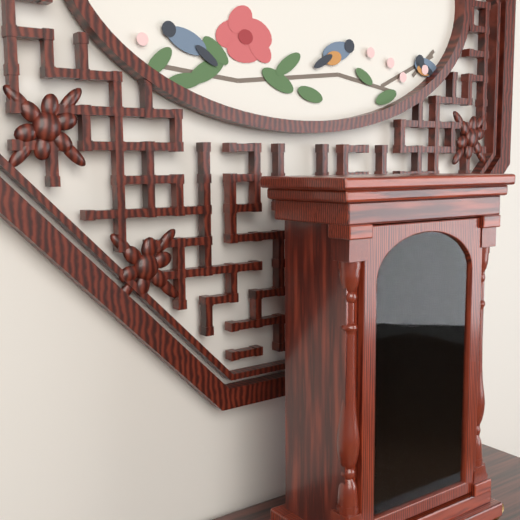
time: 10:40
